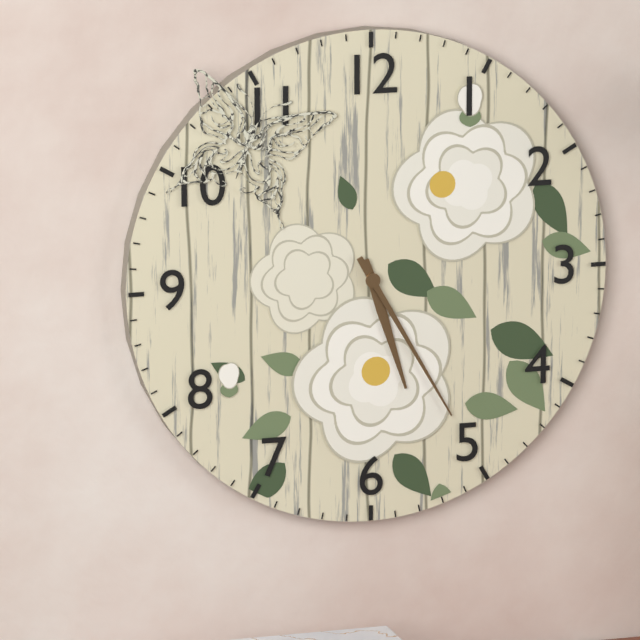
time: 5:25
